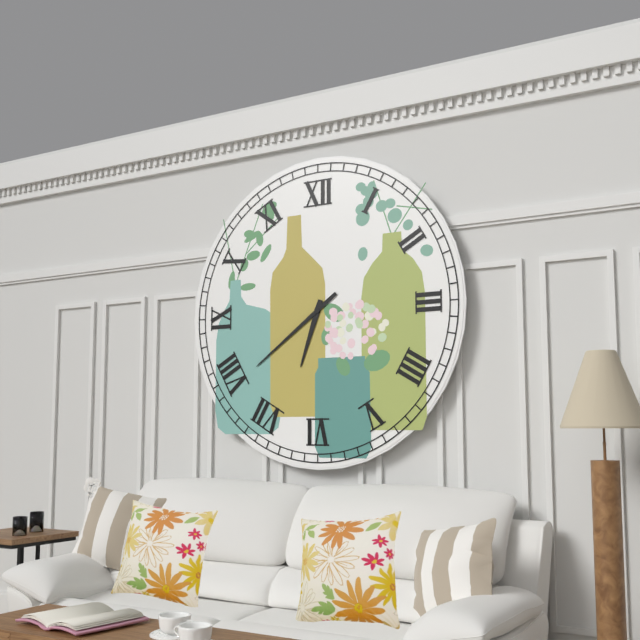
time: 6:39
